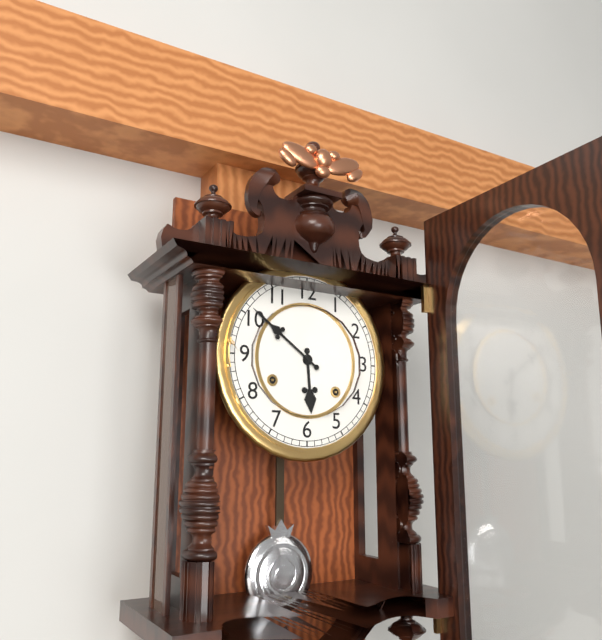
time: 5:51
